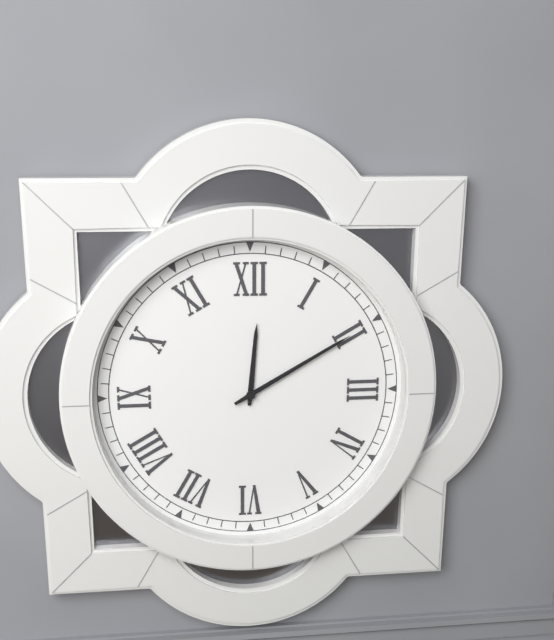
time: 12:10
